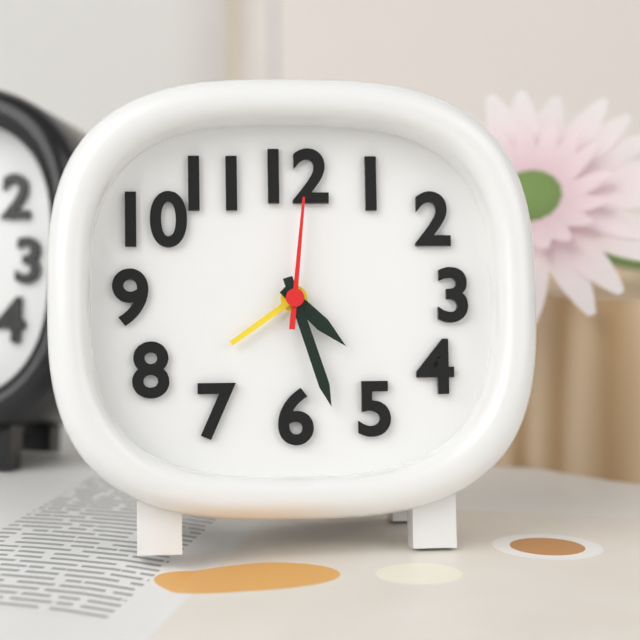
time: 4:27:01
